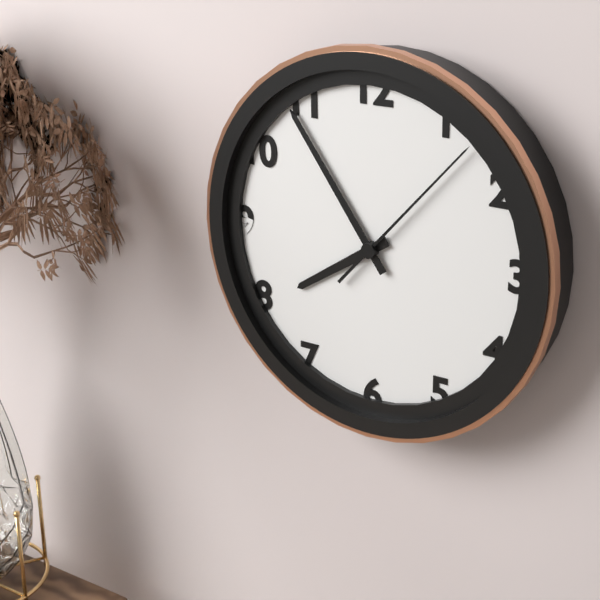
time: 7:54:07
